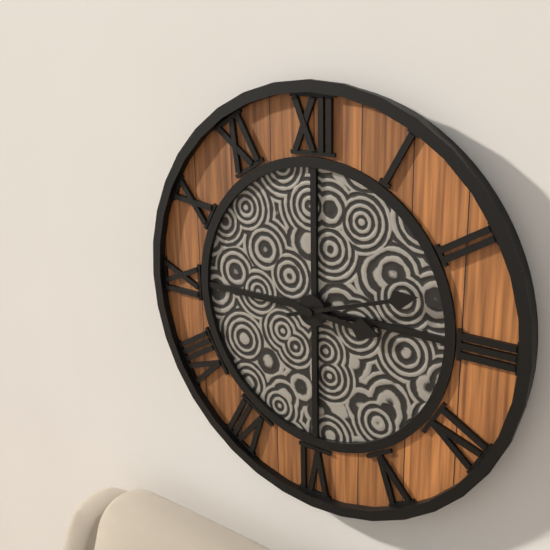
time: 3:12
